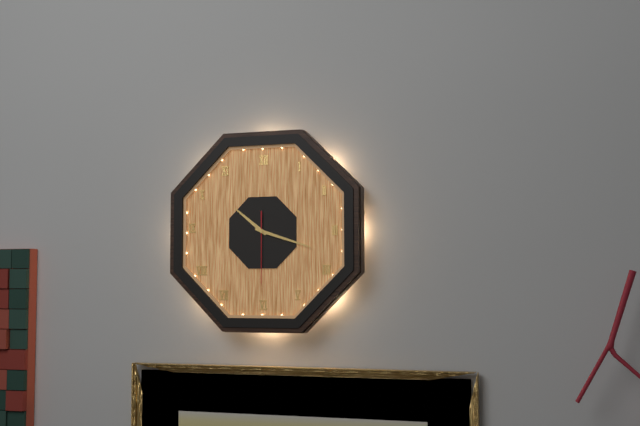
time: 10:18:30
